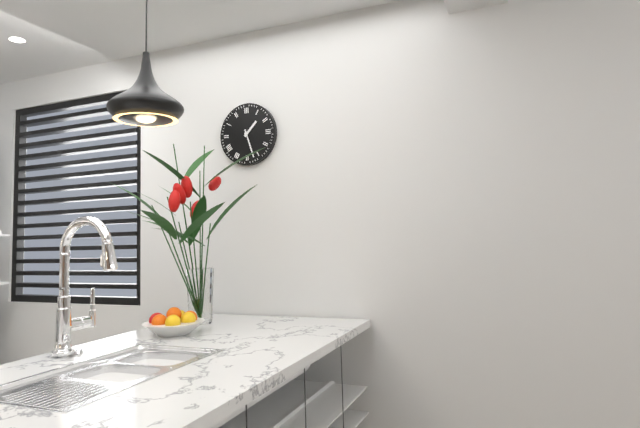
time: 1:27
